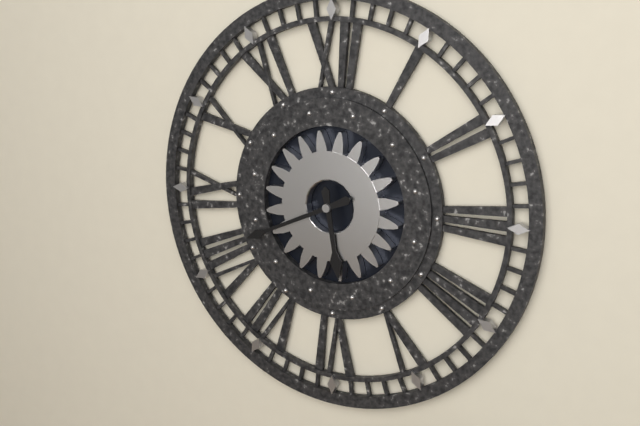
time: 5:41
